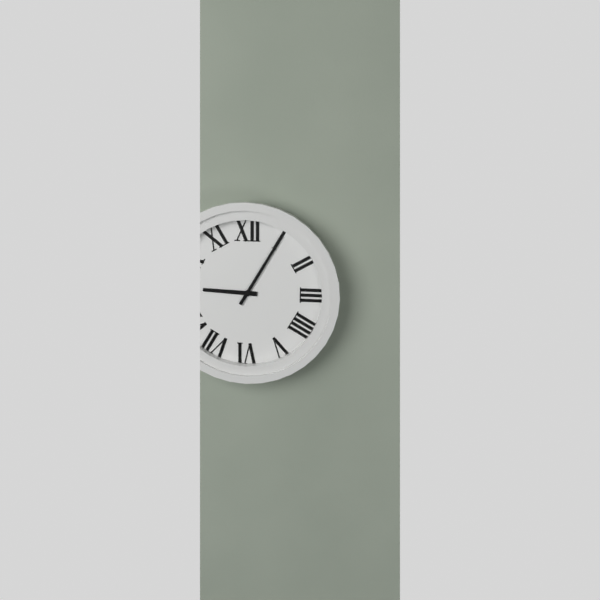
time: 9:05
